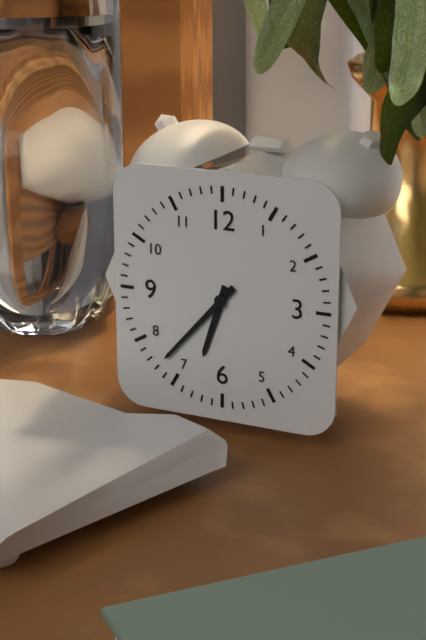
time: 6:37
